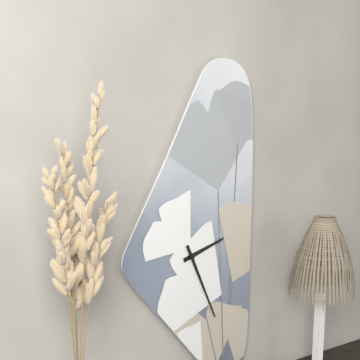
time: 2:26
